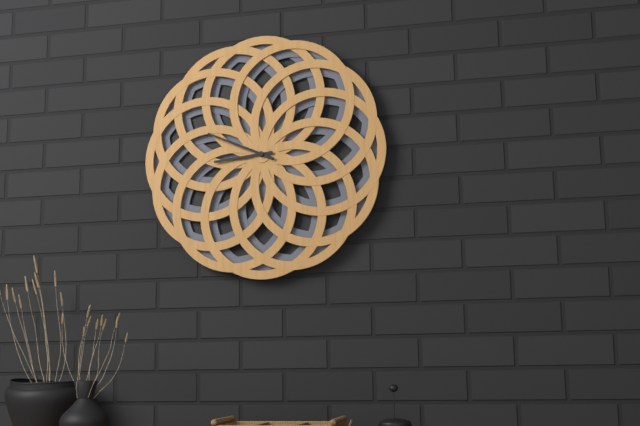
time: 8:49
